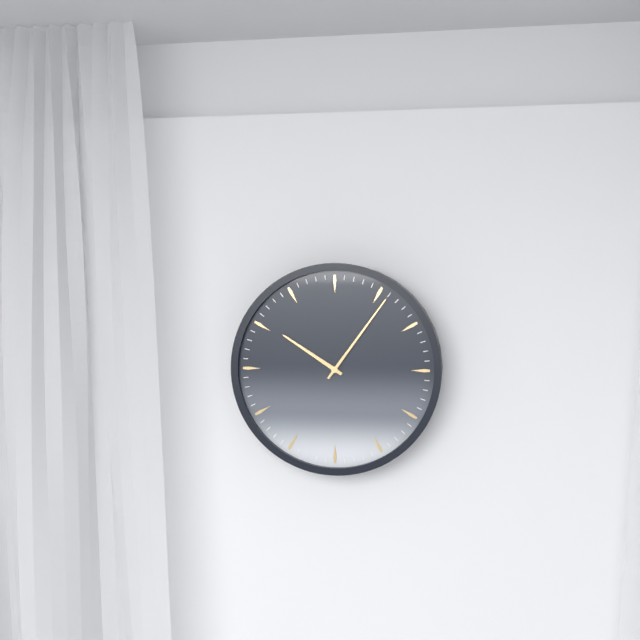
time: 10:06
